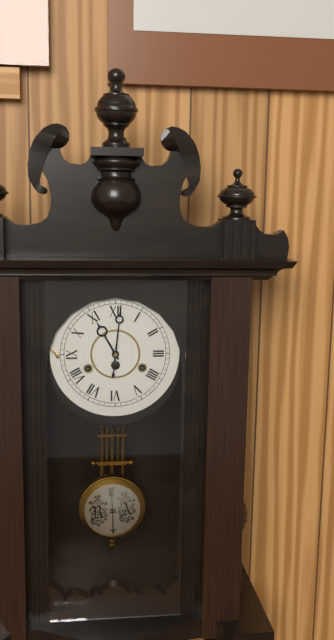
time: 11:01
